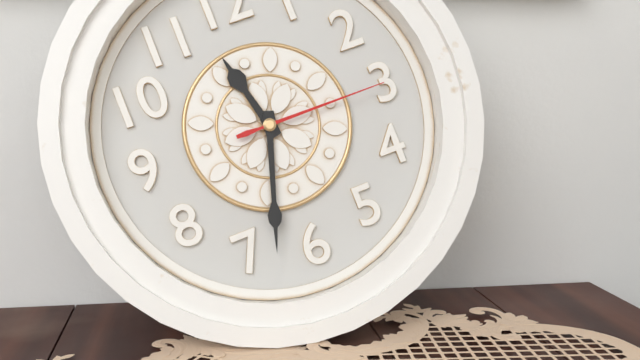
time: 11:33:15
